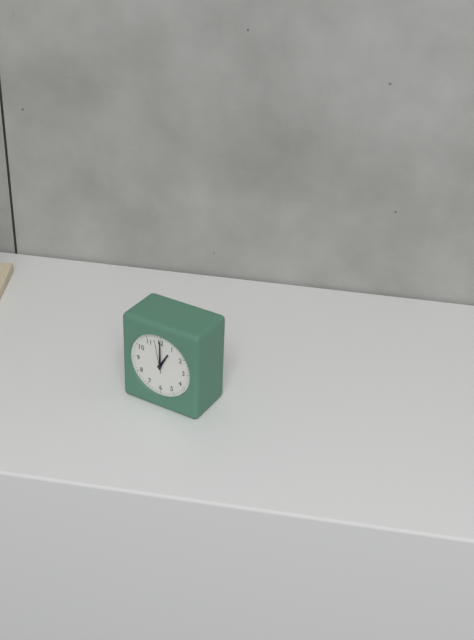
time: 1:00
